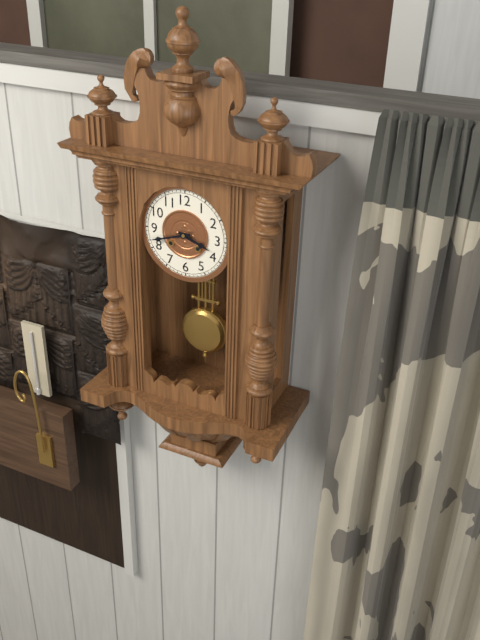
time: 3:42
